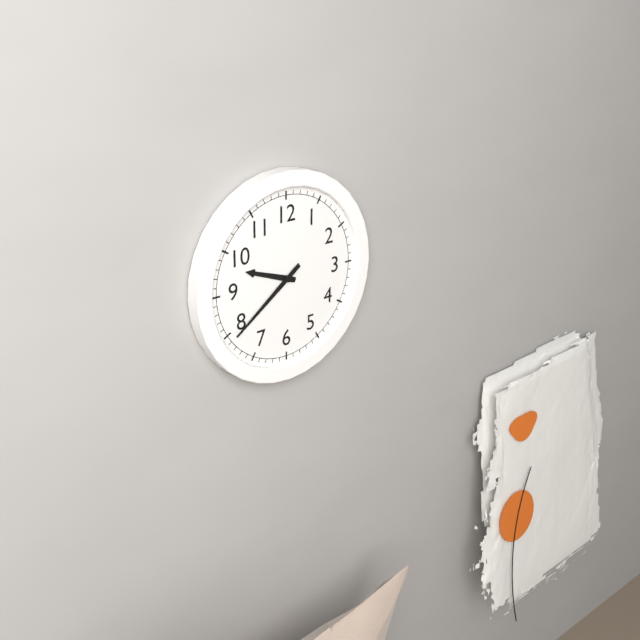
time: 9:39
